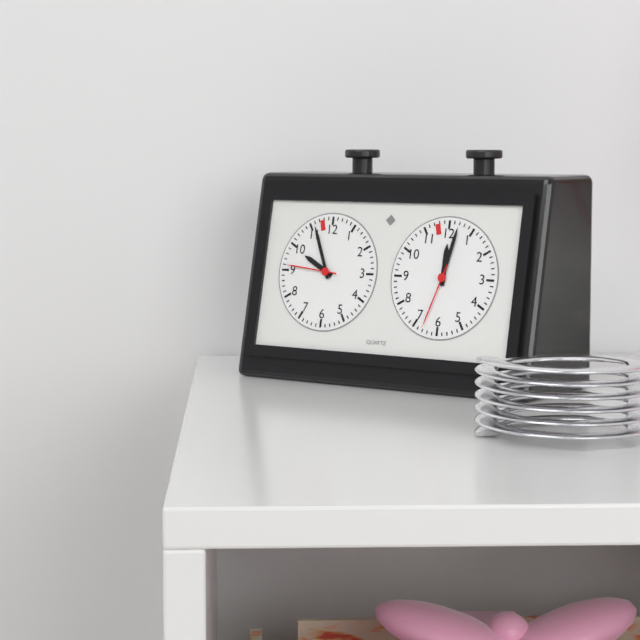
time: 9:56:46
